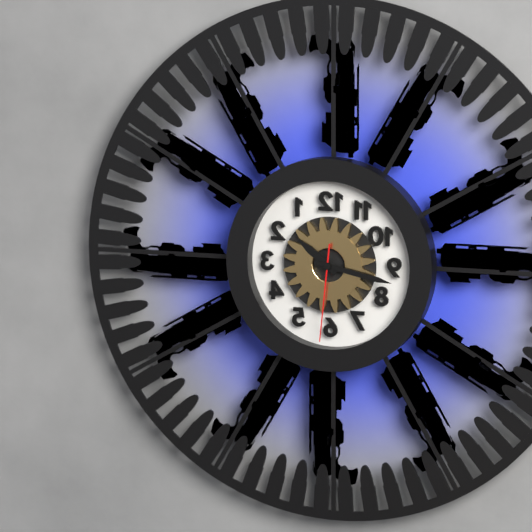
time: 10:17:31
